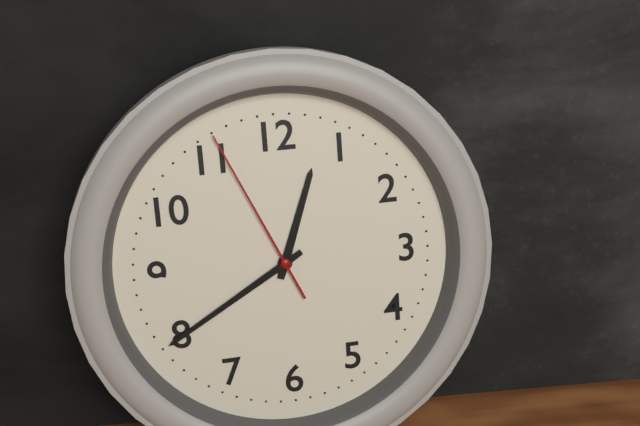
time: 12:40:56
